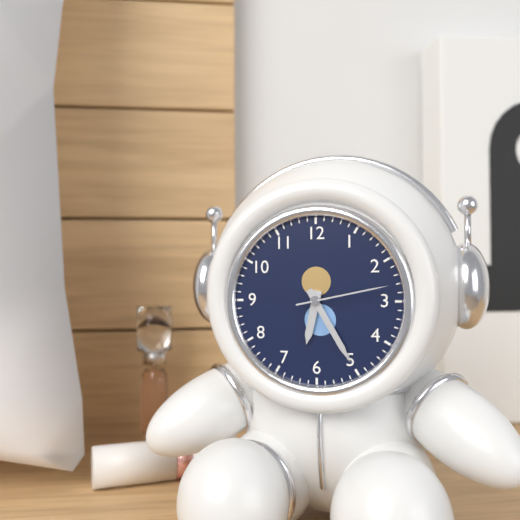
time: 6:25:13
